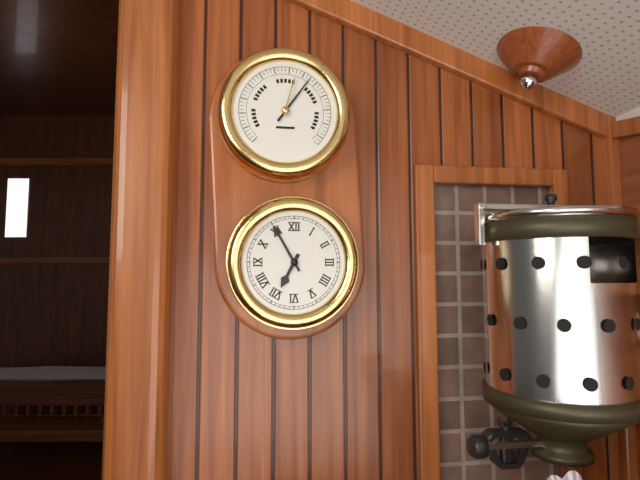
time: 6:55
